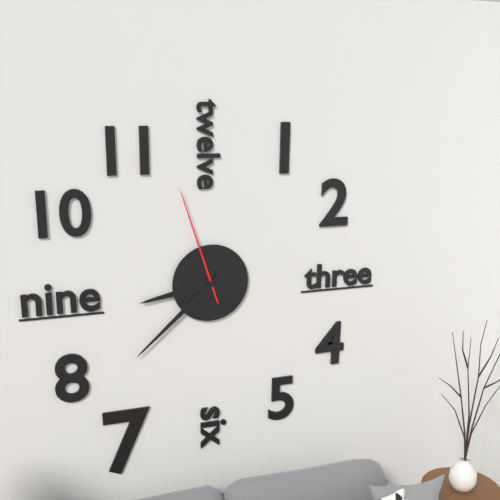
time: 8:38:57
